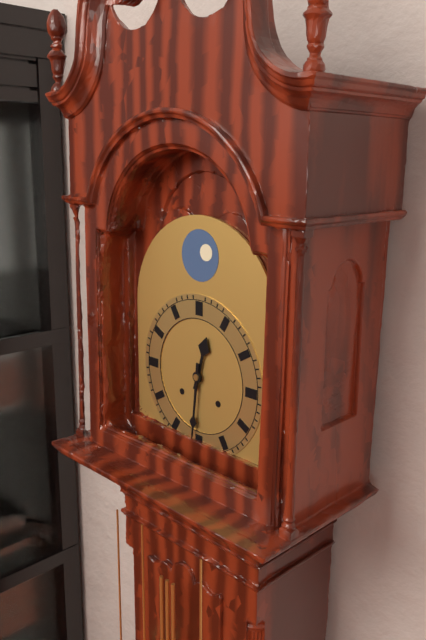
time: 12:31
